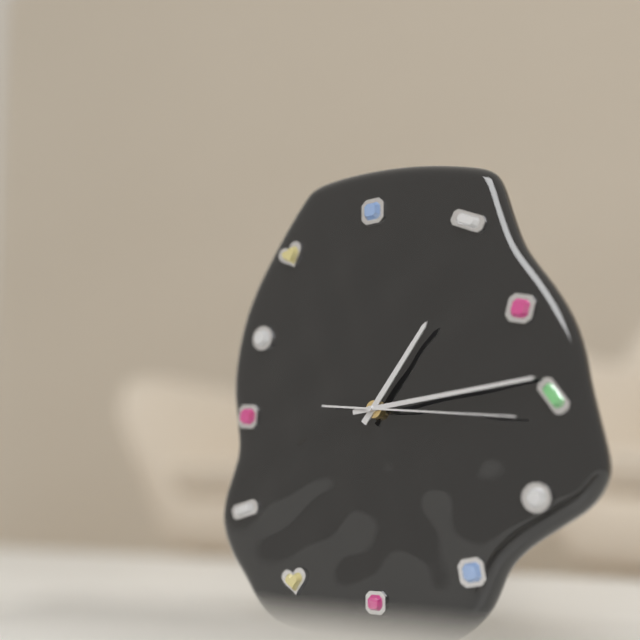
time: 1:14:16
